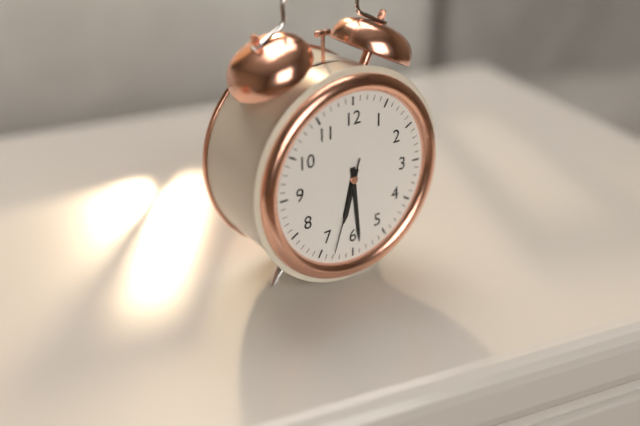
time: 6:29:33
